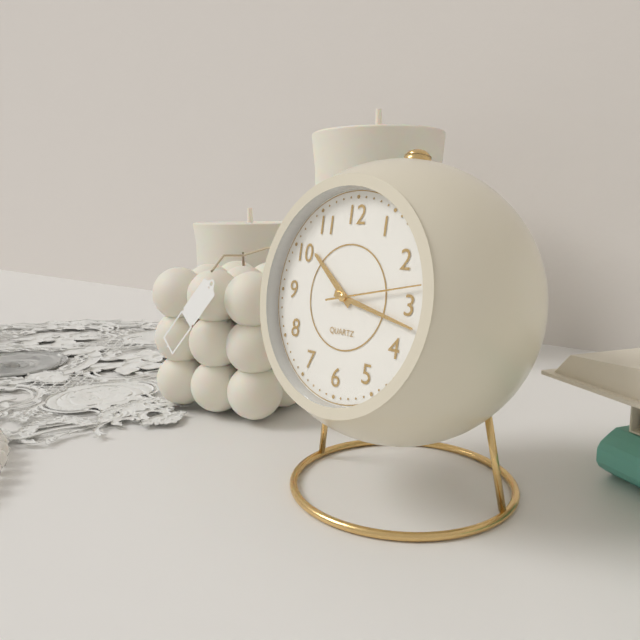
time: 10:17:13
